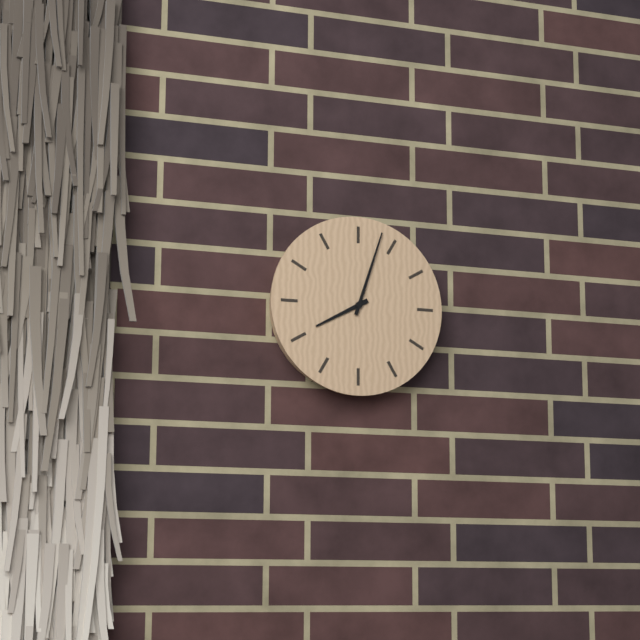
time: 8:03
